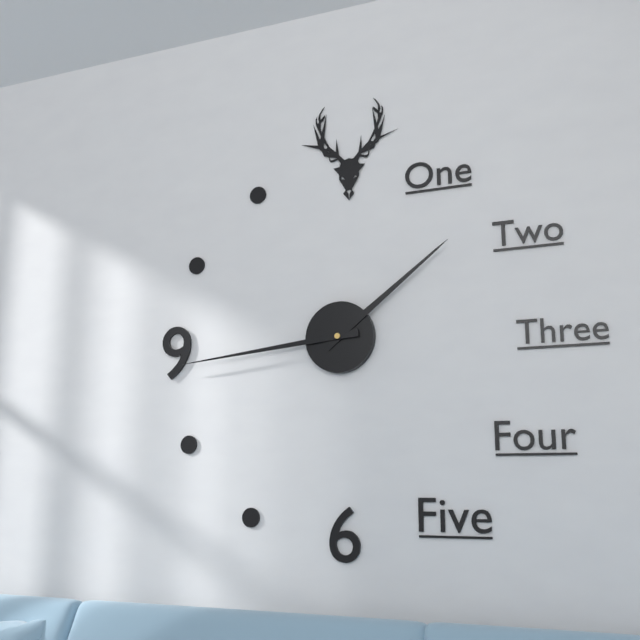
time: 1:44
